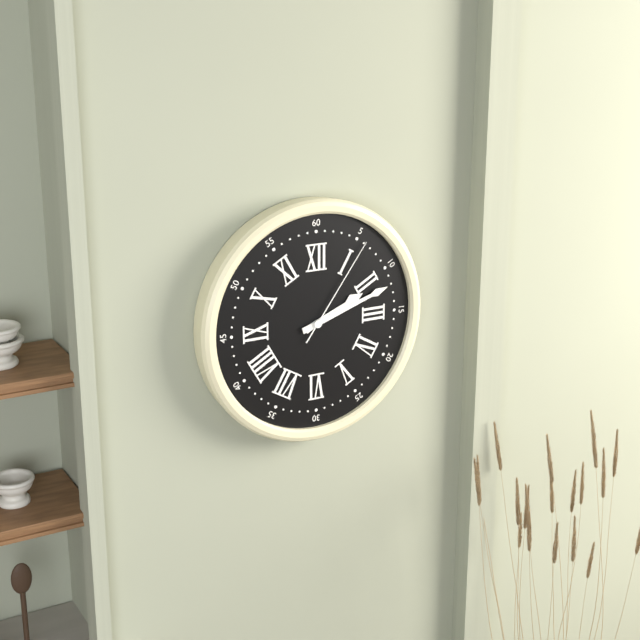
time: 2:12:06
